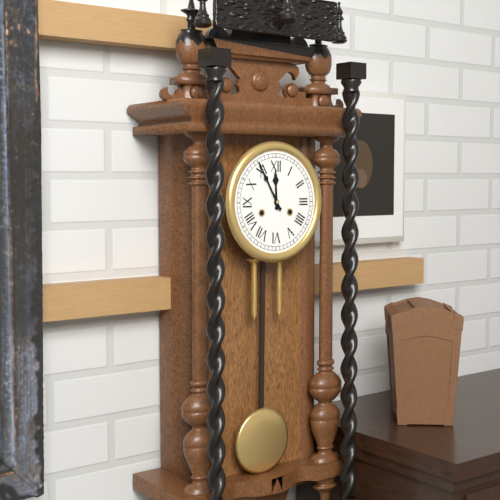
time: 11:55
